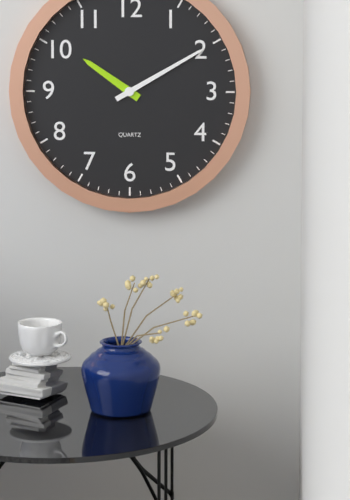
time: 10:10
